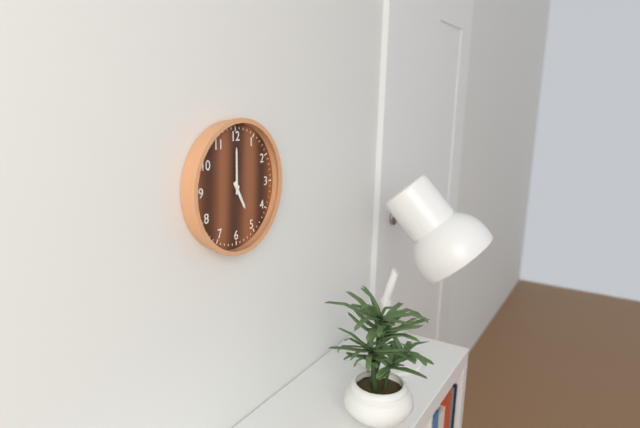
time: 5:00
